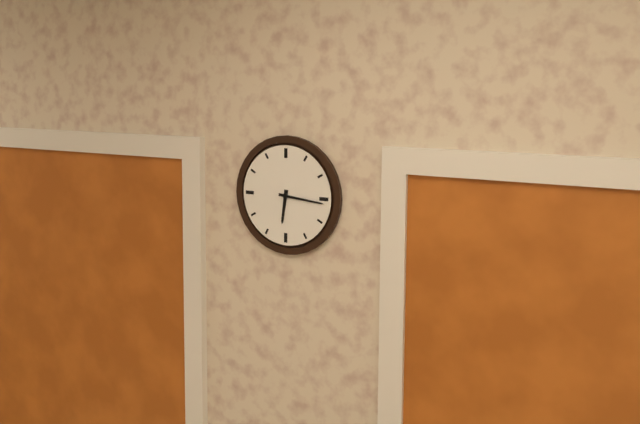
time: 6:16
